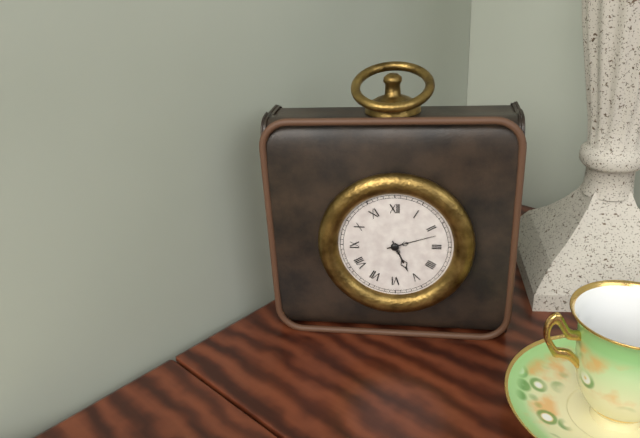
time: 5:12
